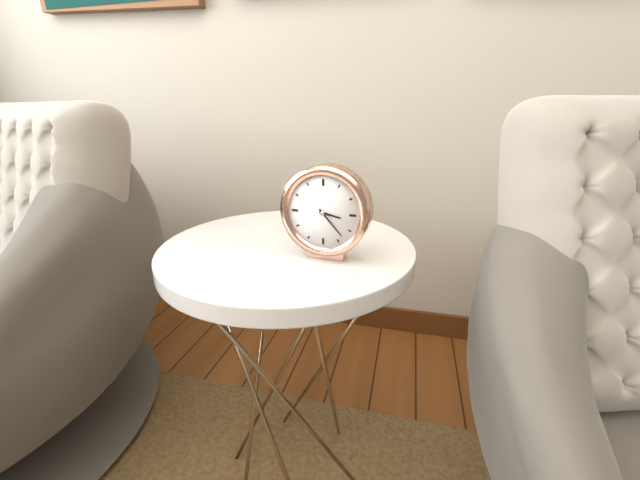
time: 3:23
